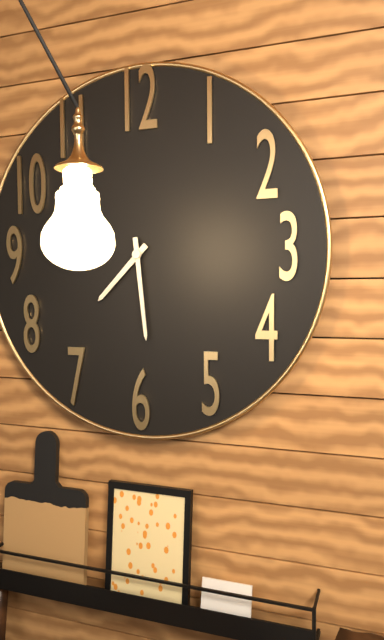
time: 7:29
